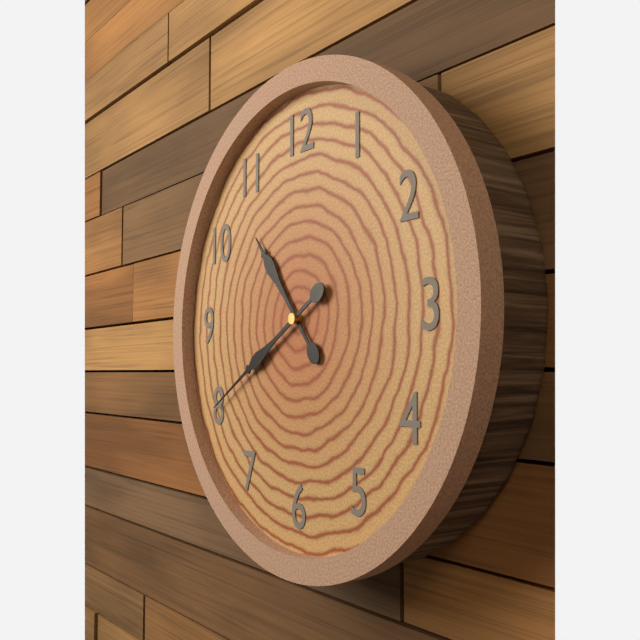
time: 10:40
